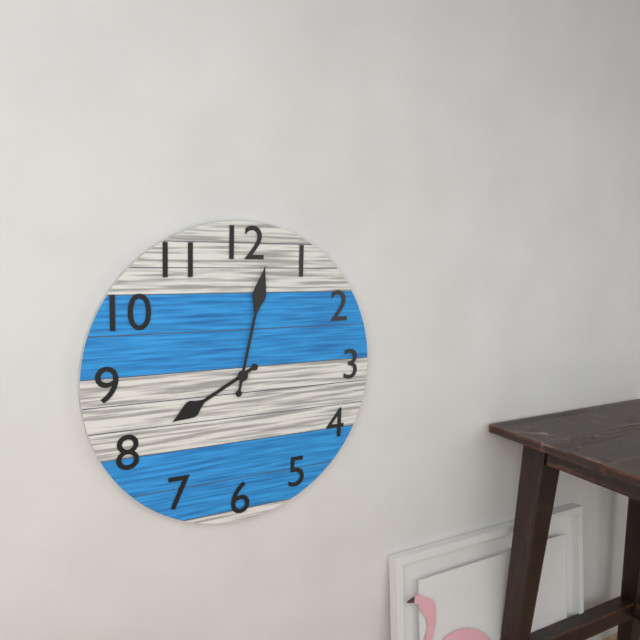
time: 8:02
